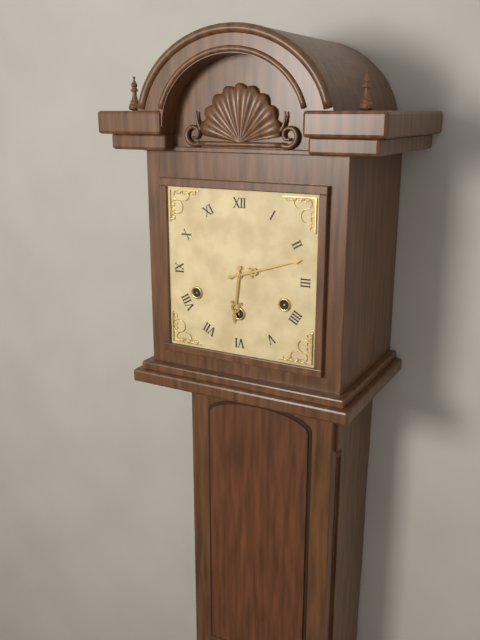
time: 6:12
